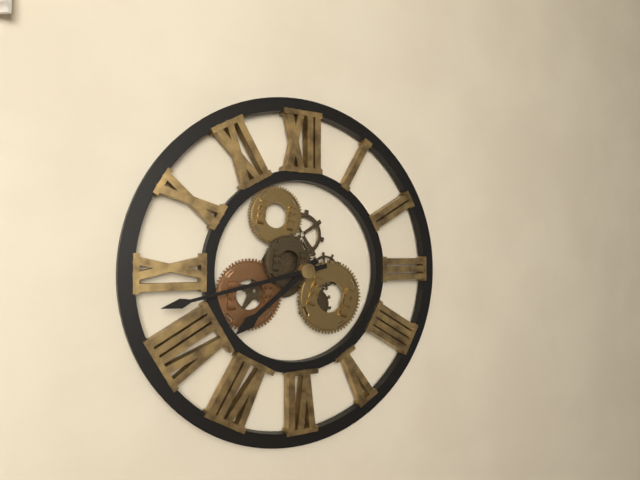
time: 7:43
